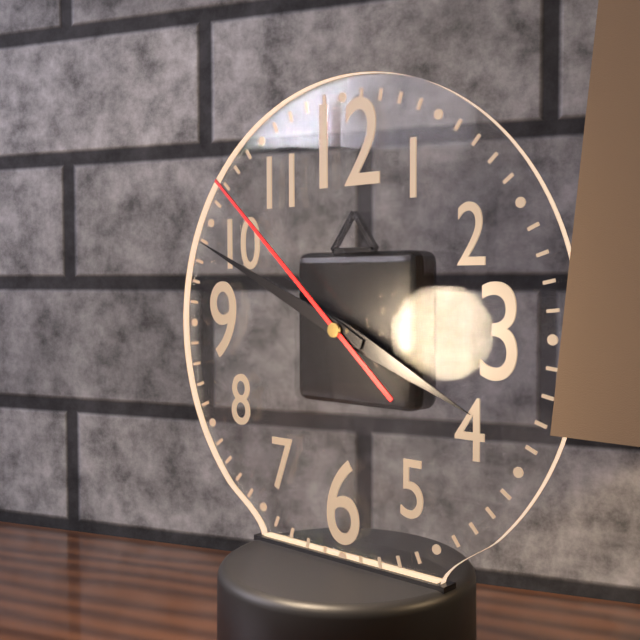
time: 3:49:52
